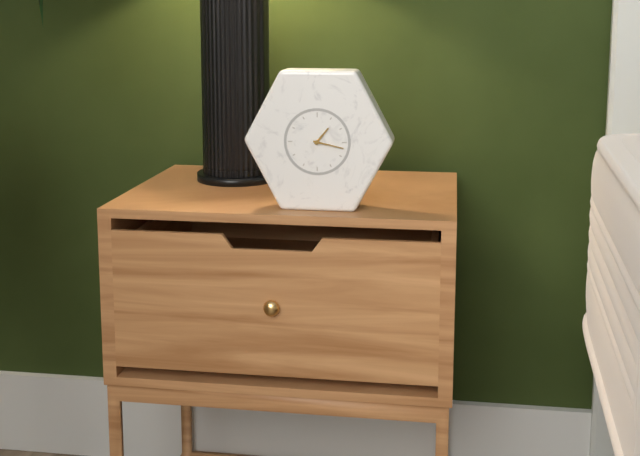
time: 1:17
